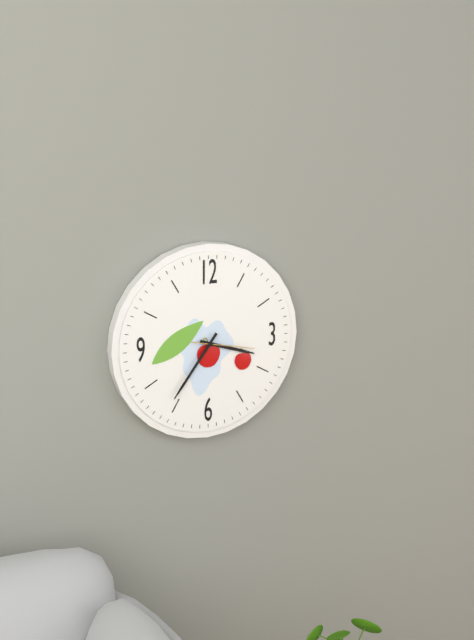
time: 3:36:17
